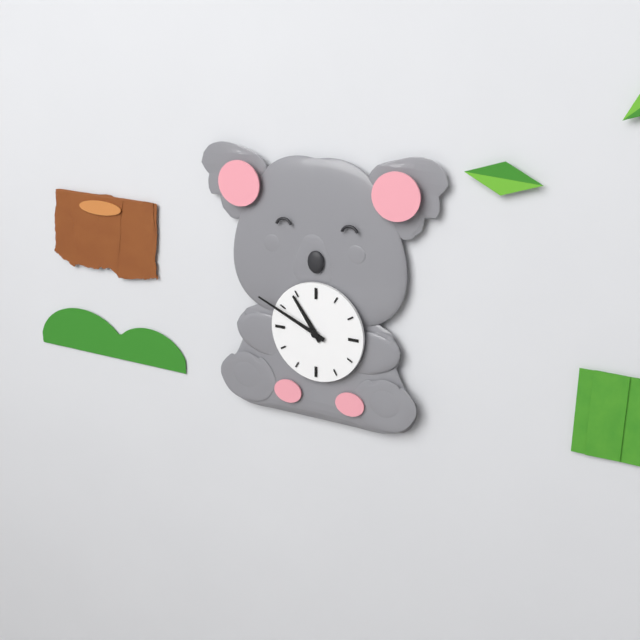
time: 10:49
